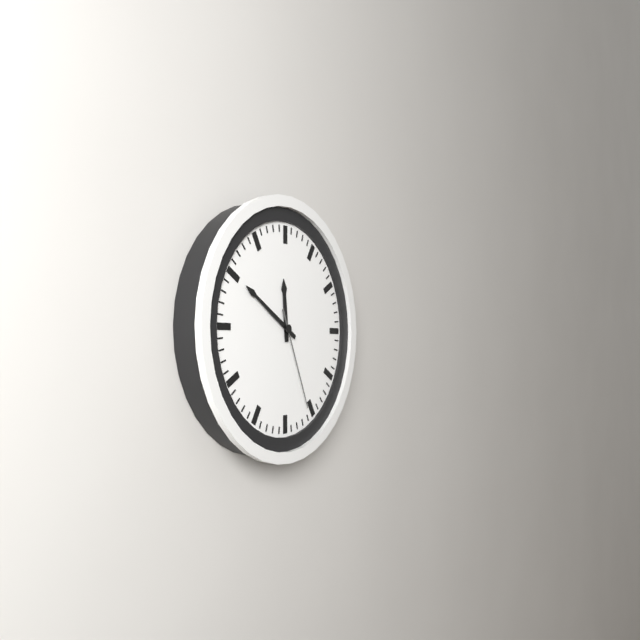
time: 11:50:26
